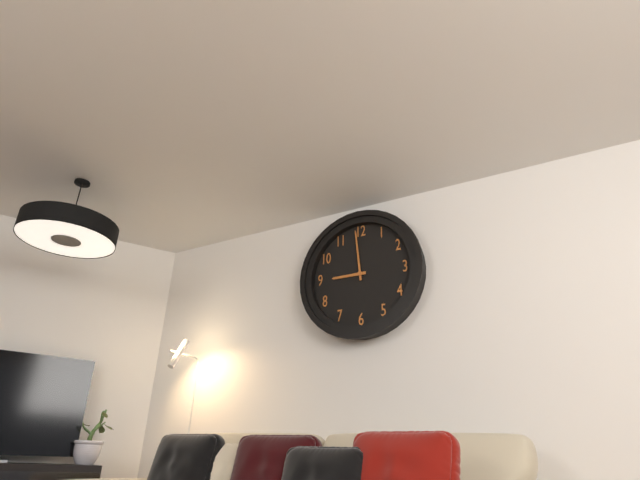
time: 8:59
